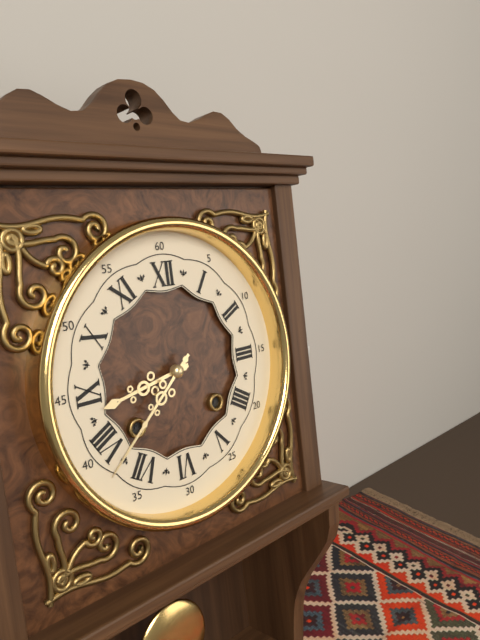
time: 8:38
